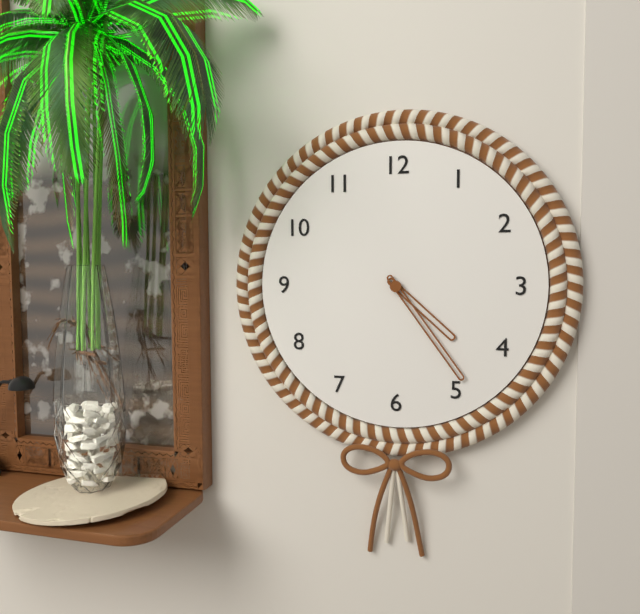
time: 4:24
